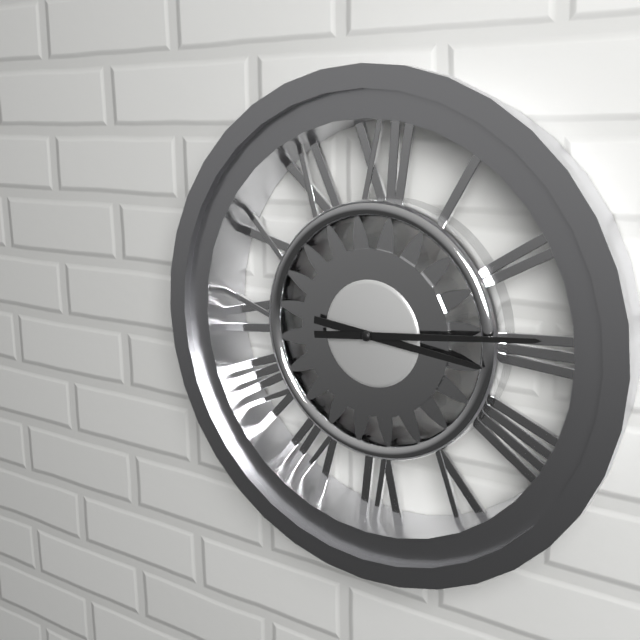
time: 3:14
